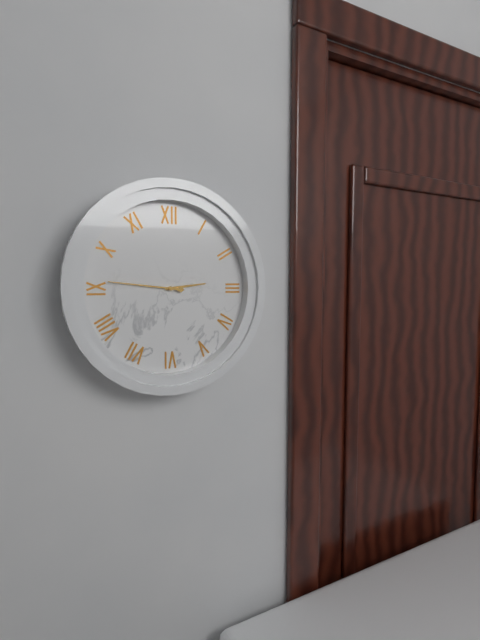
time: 2:46
